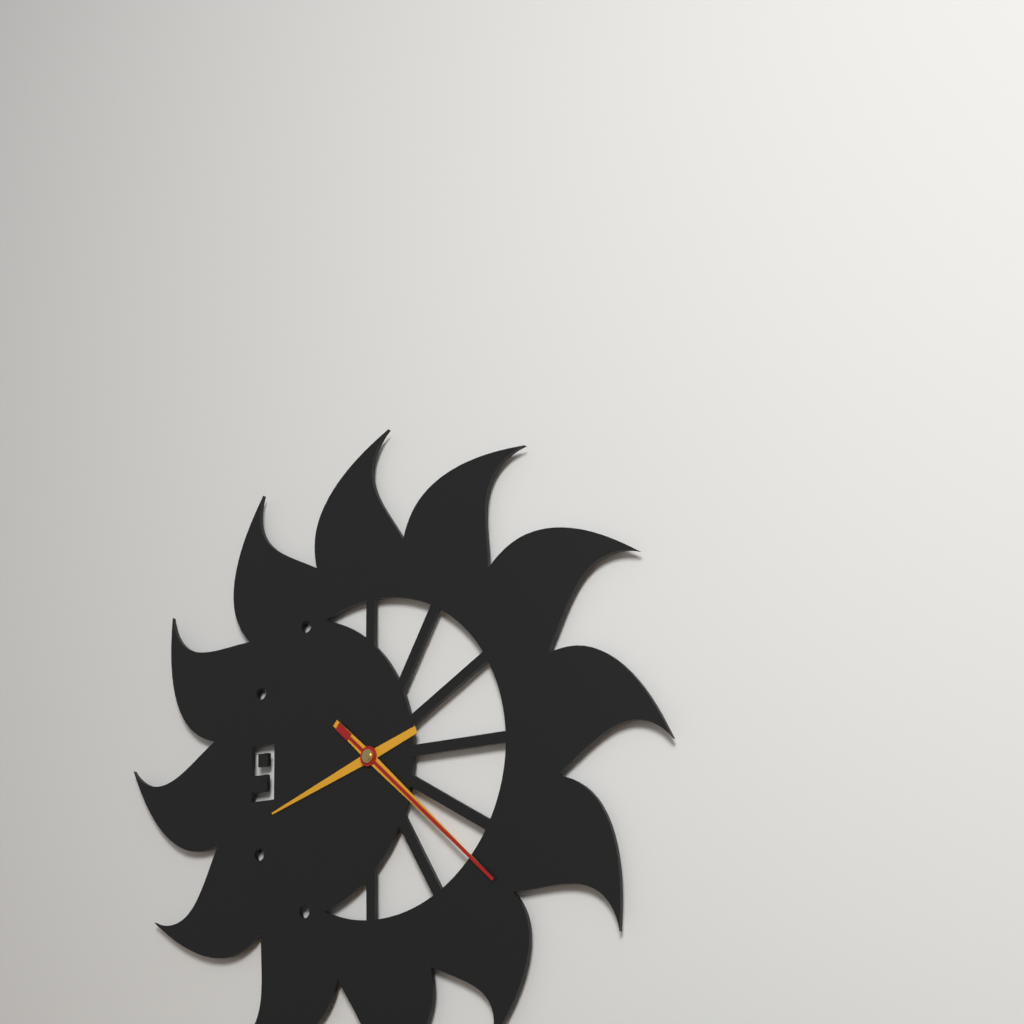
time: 8:22:22
